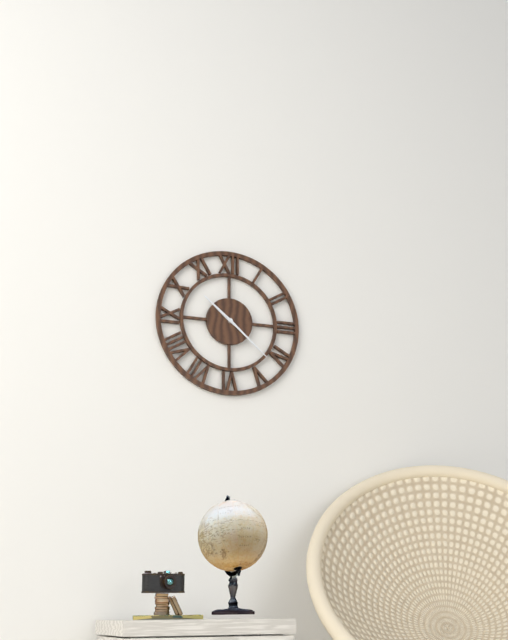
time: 10:22
